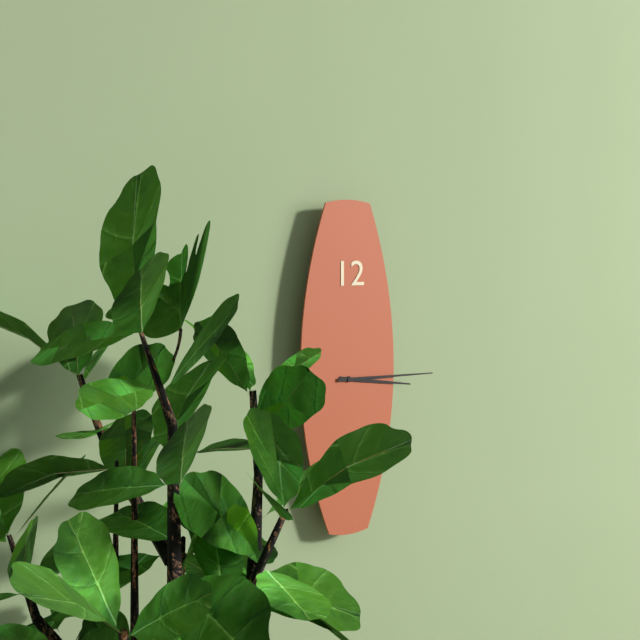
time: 3:15
